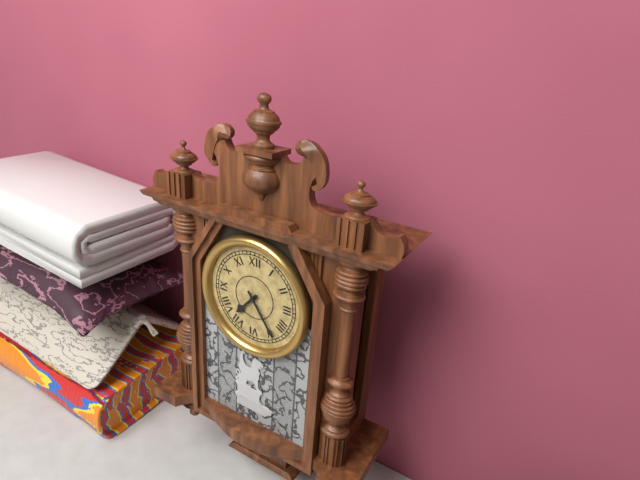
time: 7:24
